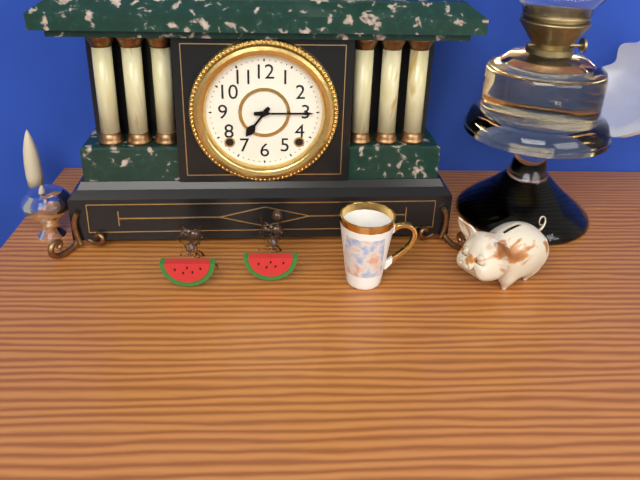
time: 7:15
